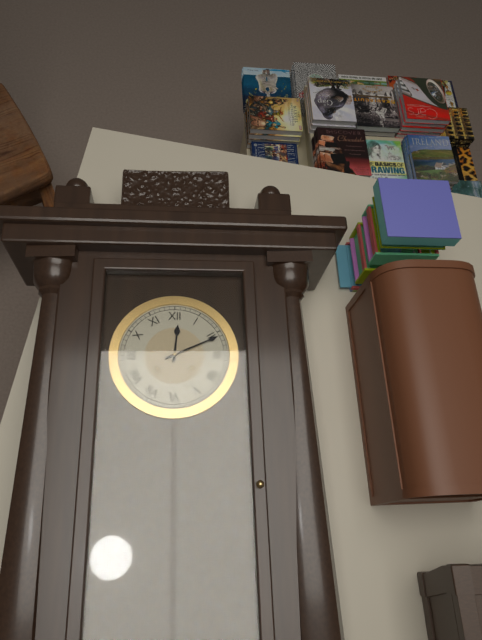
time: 12:11
